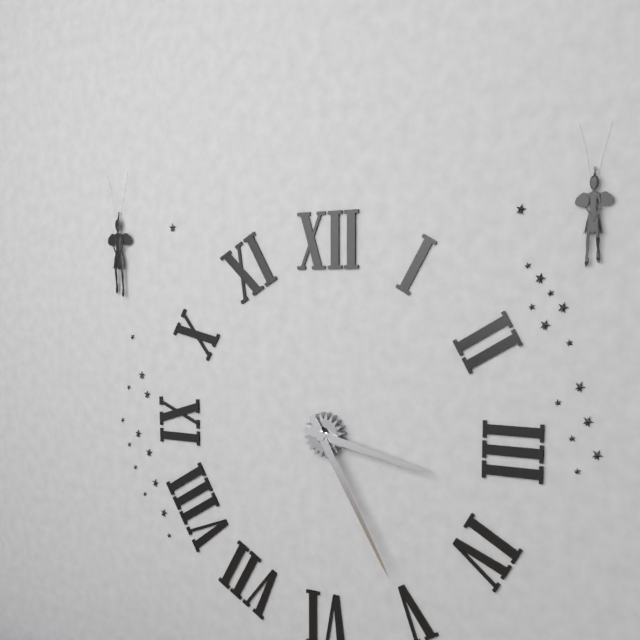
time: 3:25
